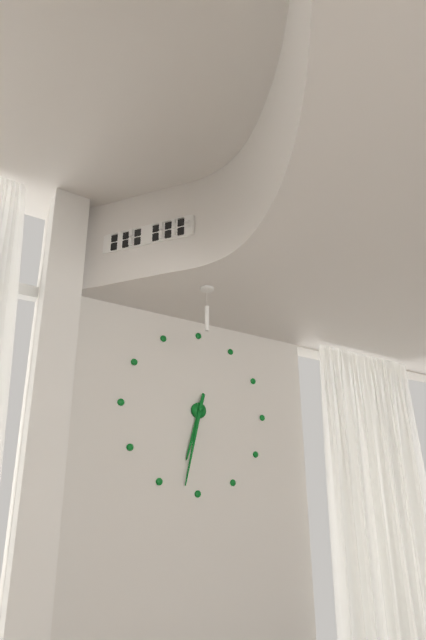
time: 6:32
